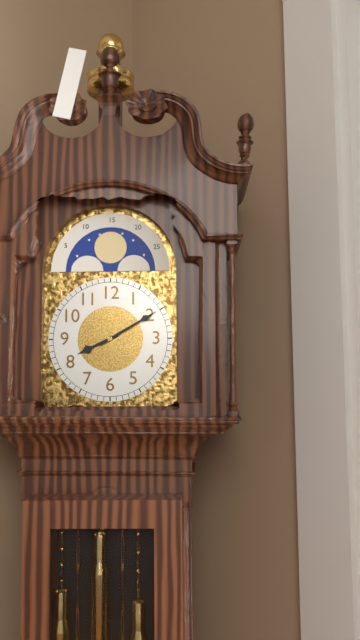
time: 8:10
